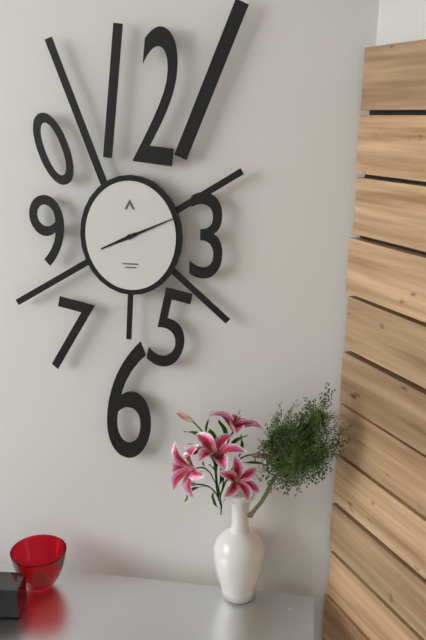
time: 8:11
